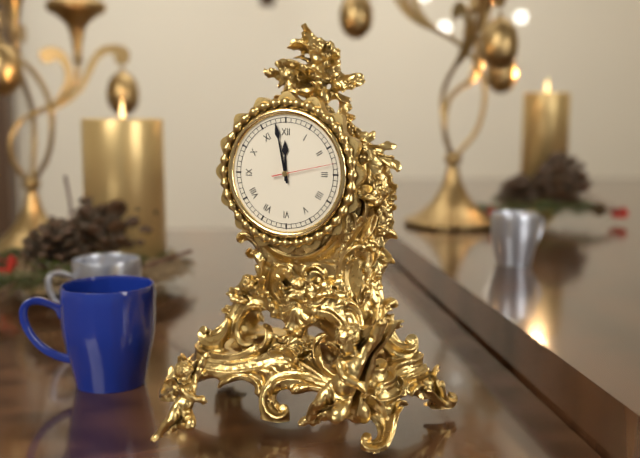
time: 11:58:13
